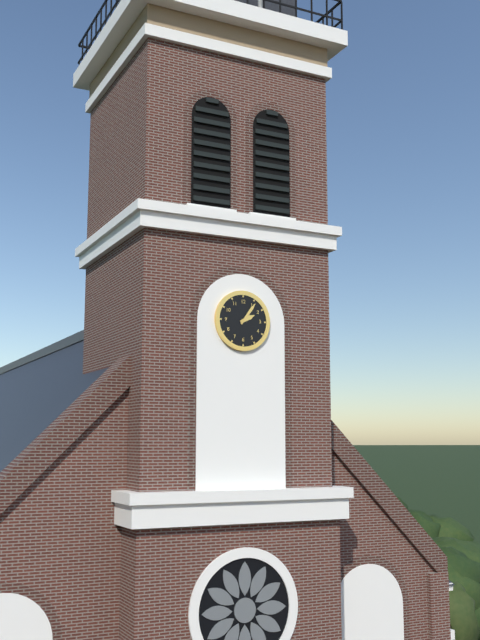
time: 2:06
